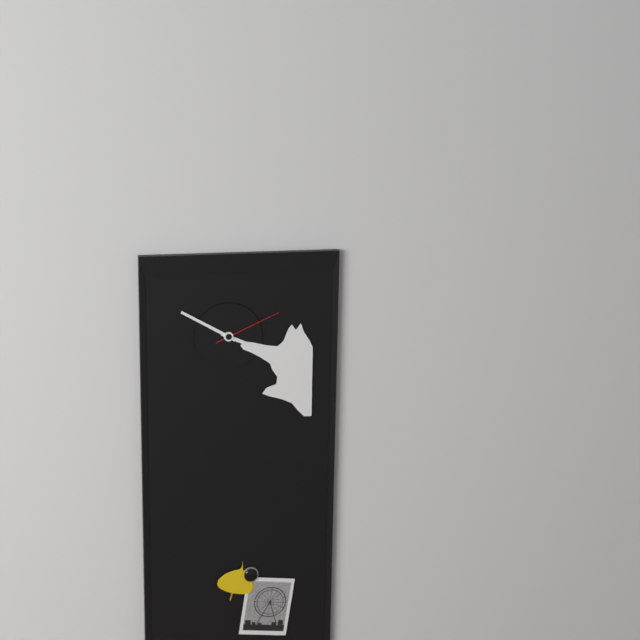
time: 3:50:11
